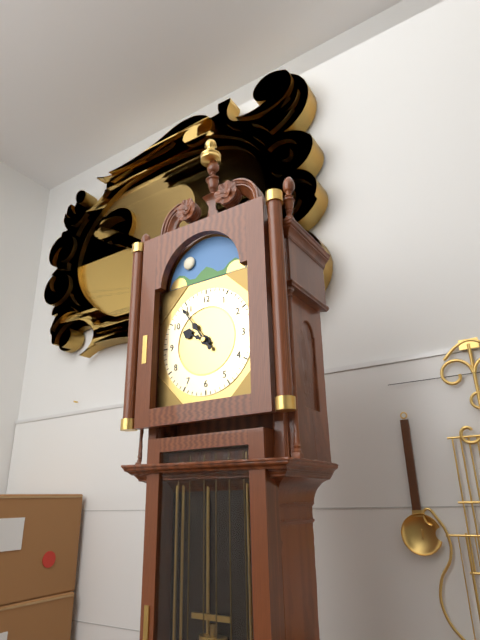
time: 9:54
